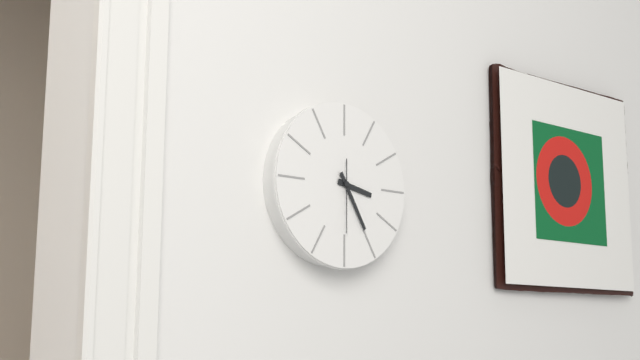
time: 3:25:30
